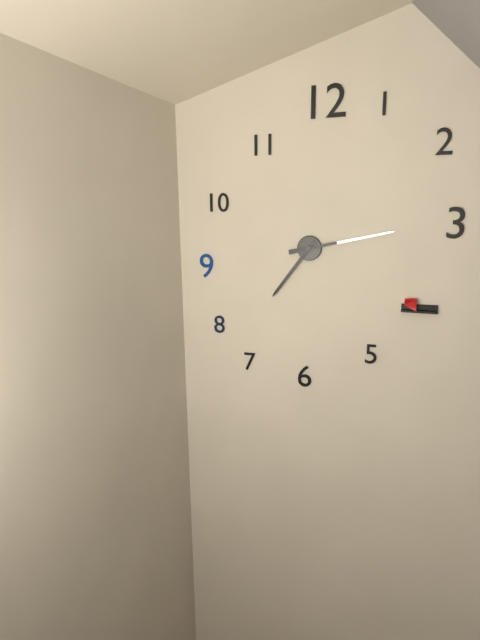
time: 7:13
